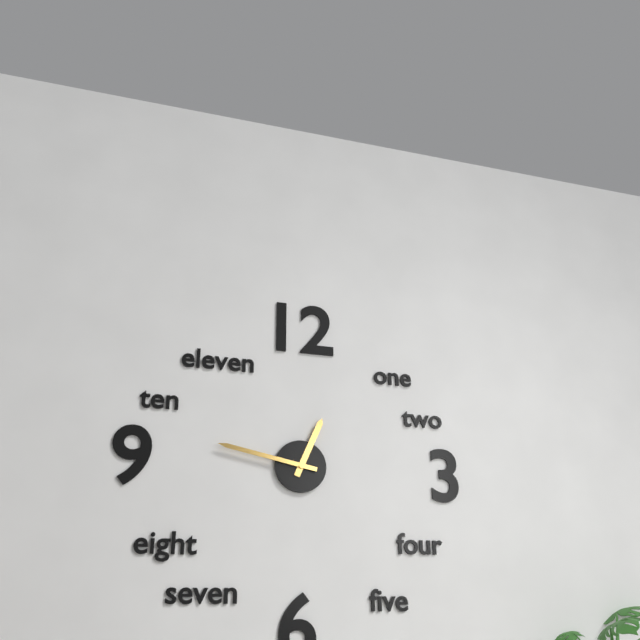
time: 12:47
